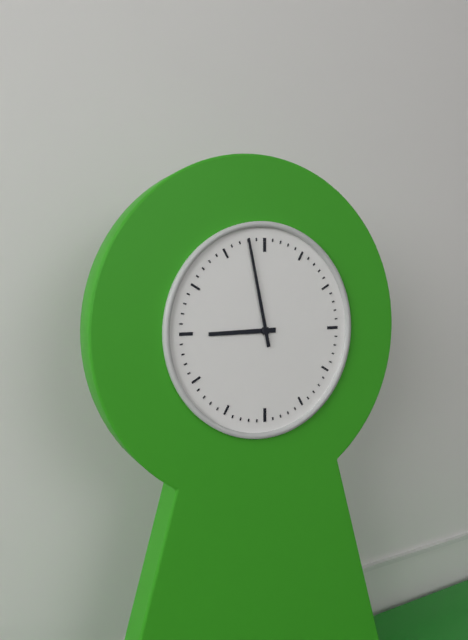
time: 8:58
